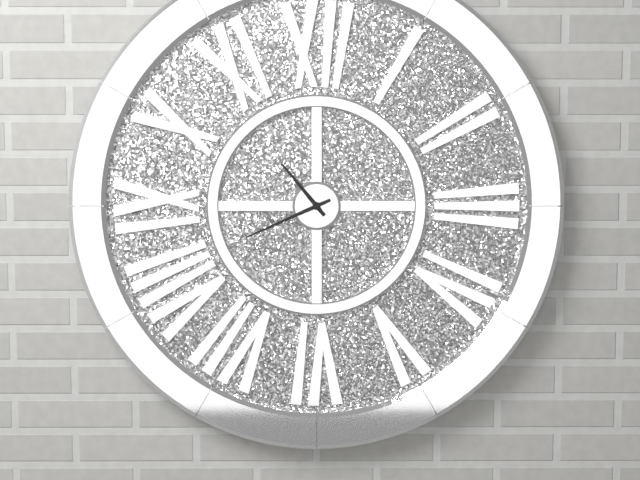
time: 10:41
